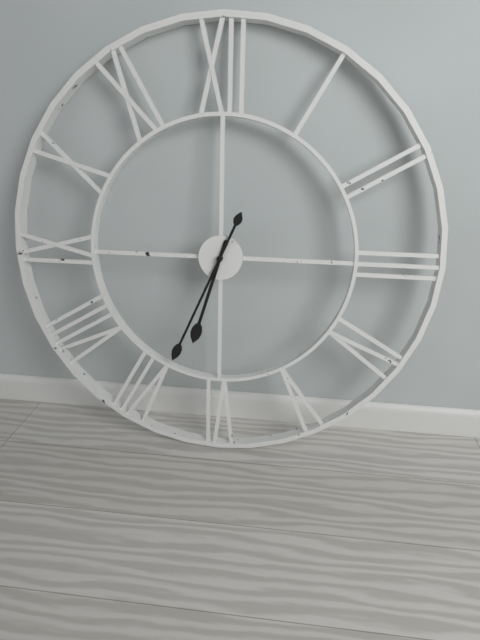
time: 6:34
